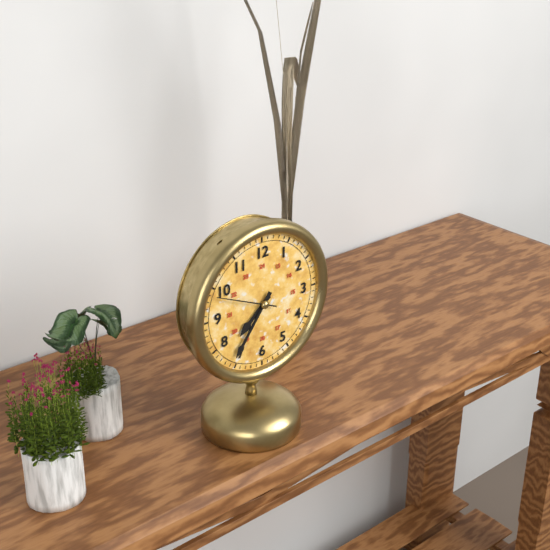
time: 7:36:49
